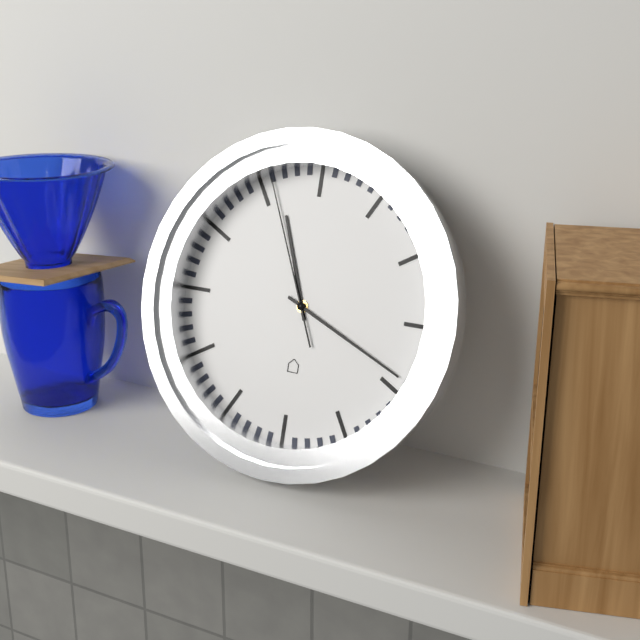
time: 11:19:56
